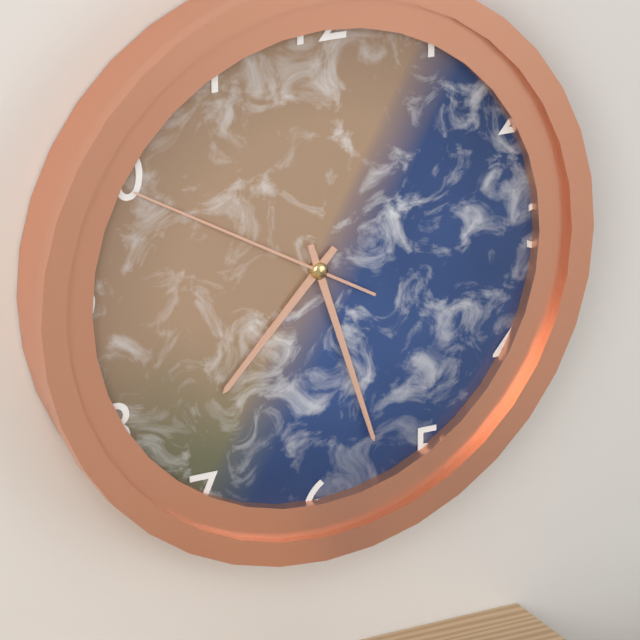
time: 7:27:50
